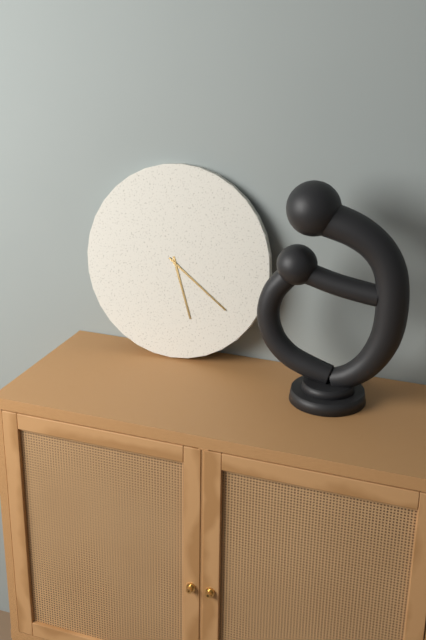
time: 5:21
